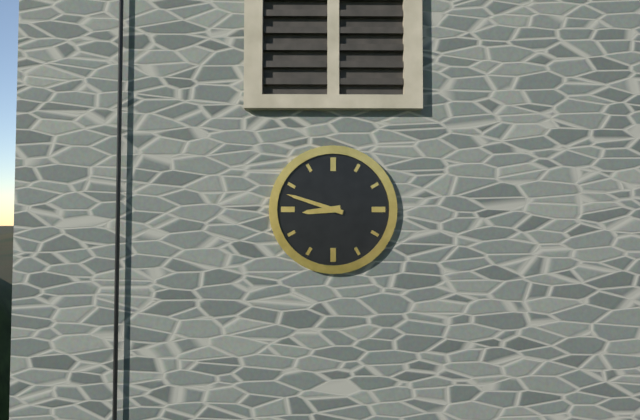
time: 8:48
